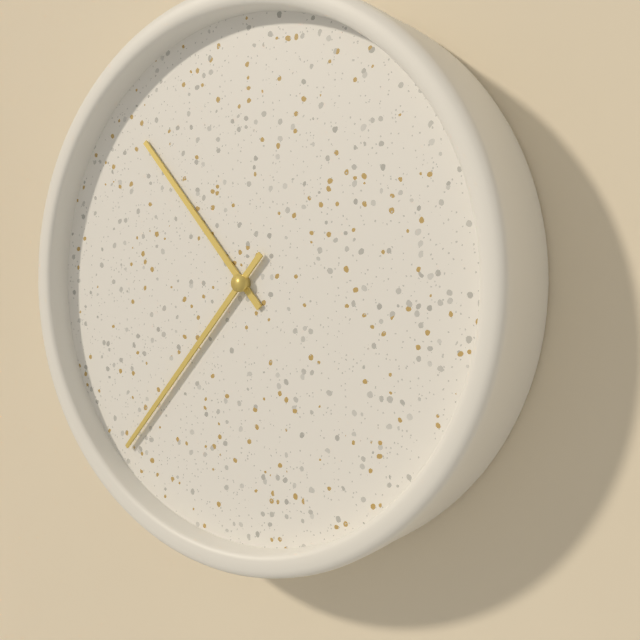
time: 10:37
